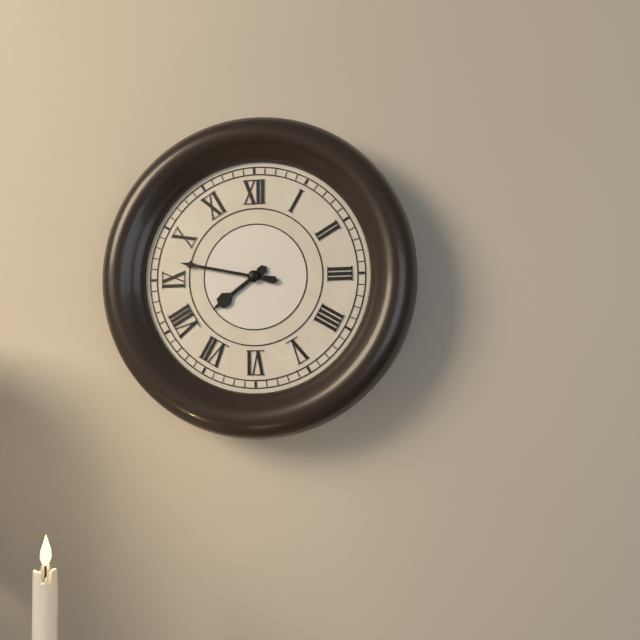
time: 7:47
